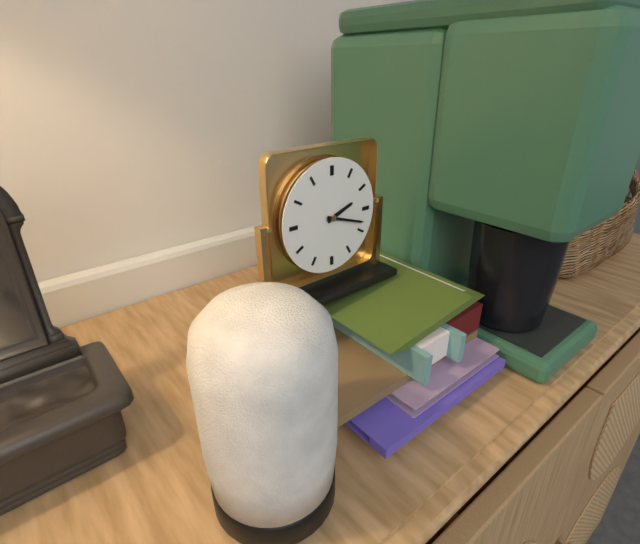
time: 2:18
